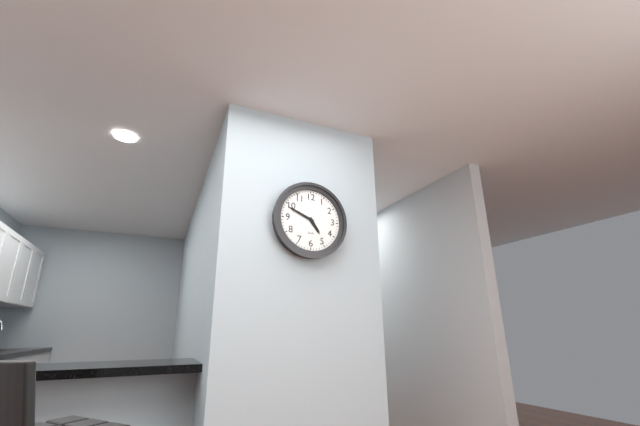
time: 4:49
